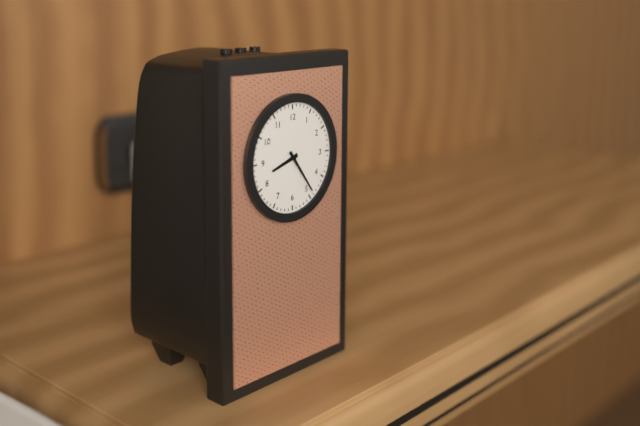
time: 8:24
